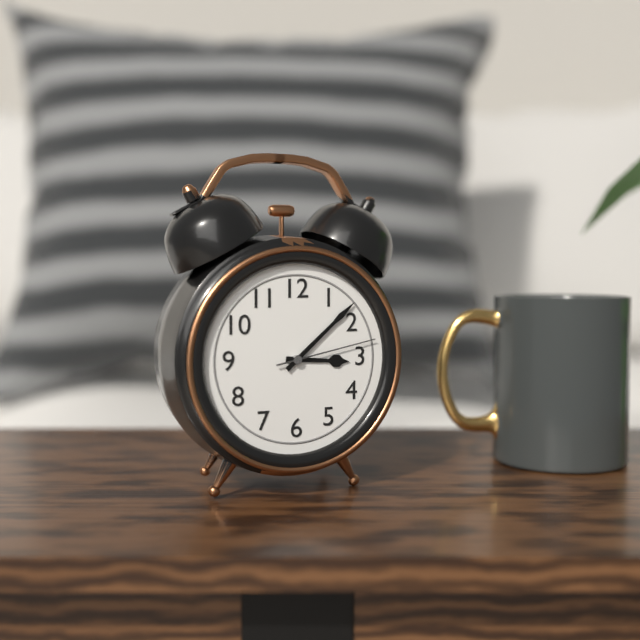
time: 3:08:13
